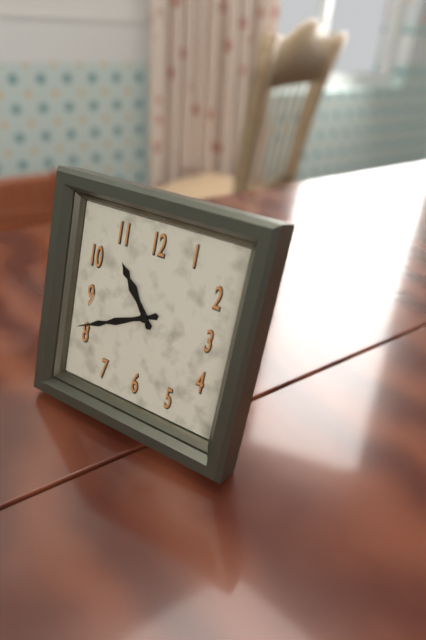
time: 10:41
